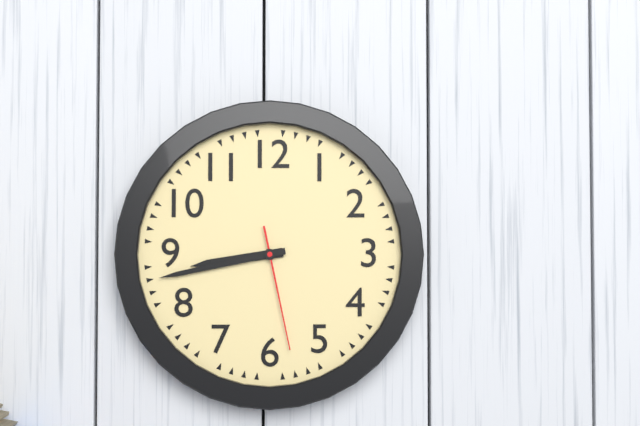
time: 8:43:28
